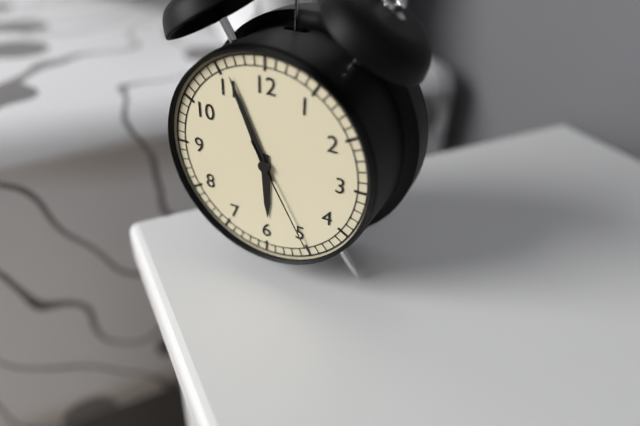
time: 5:56:25
